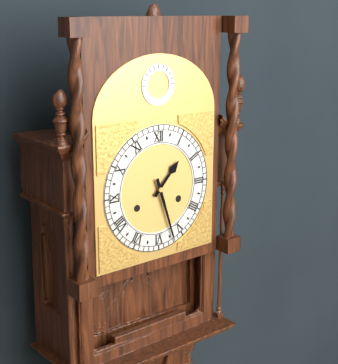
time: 1:27
